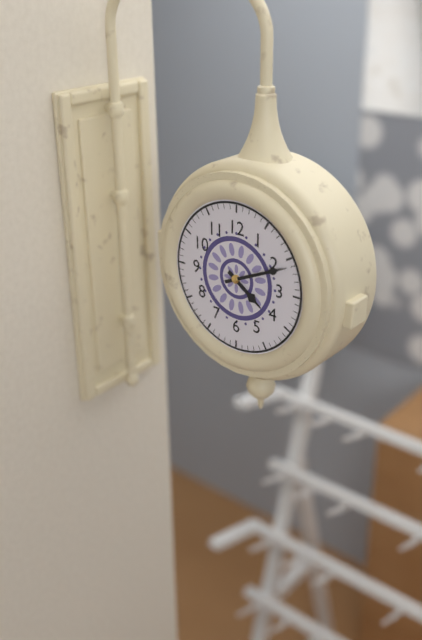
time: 4:11
